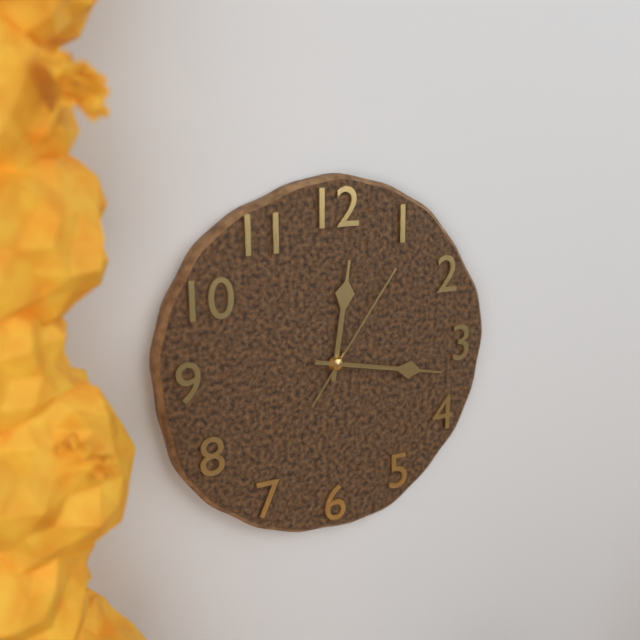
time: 12:17:06
